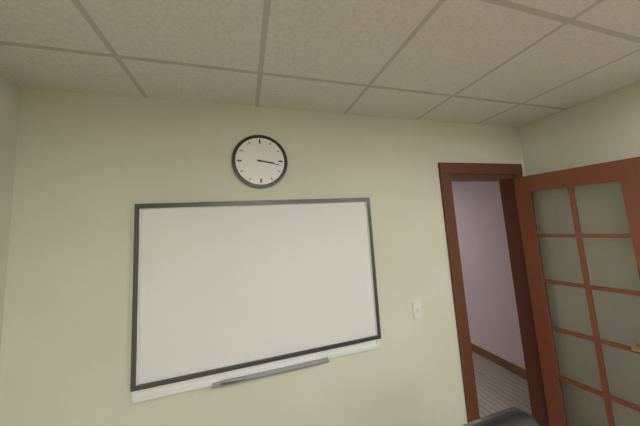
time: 3:17
